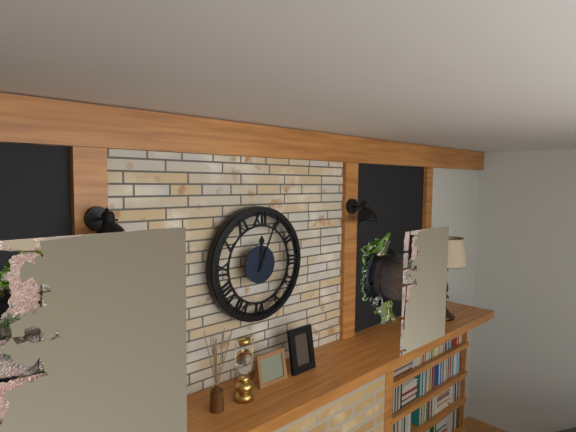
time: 12:04
